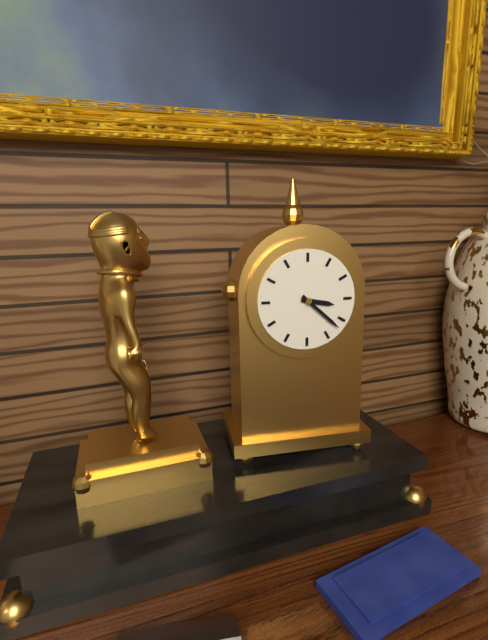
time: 3:22
